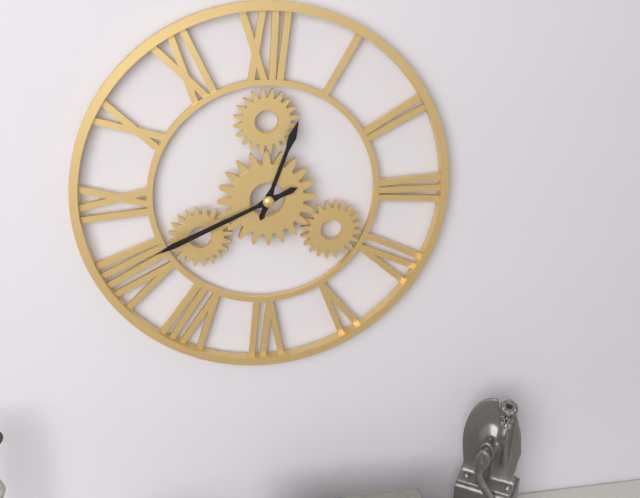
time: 12:41
